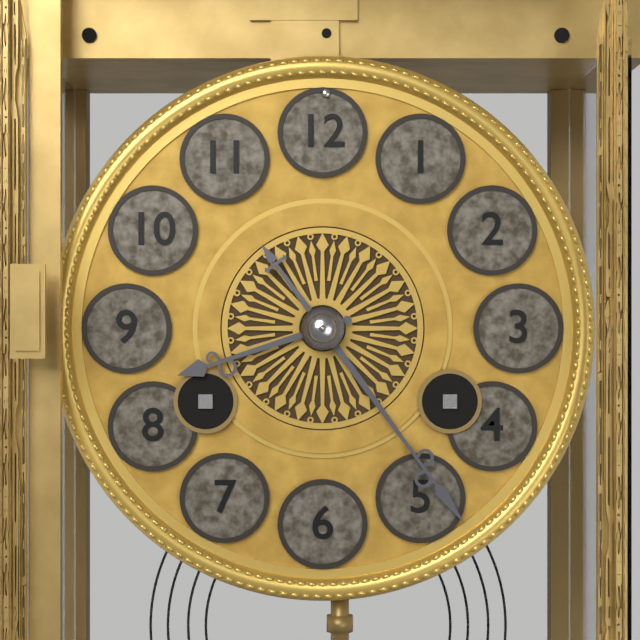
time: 8:24
